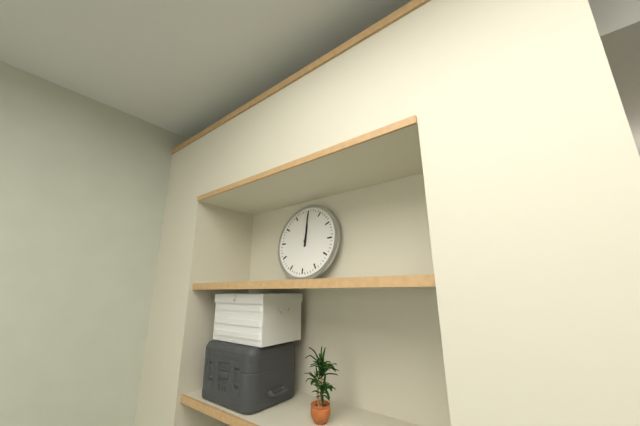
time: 12:00
